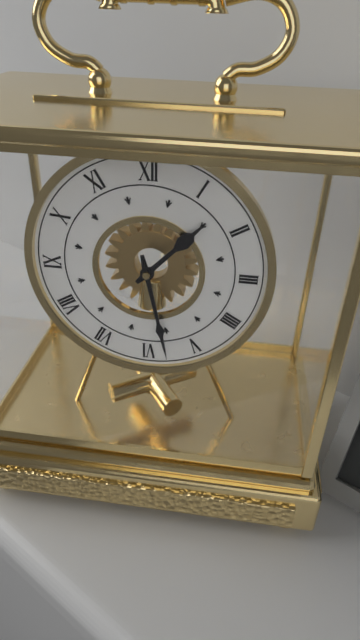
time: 1:28
